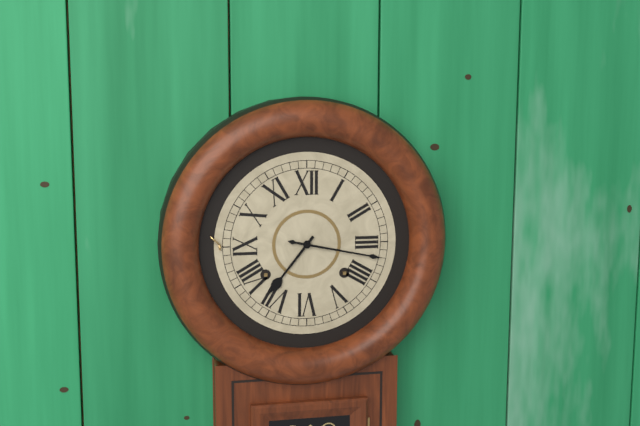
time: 7:17
